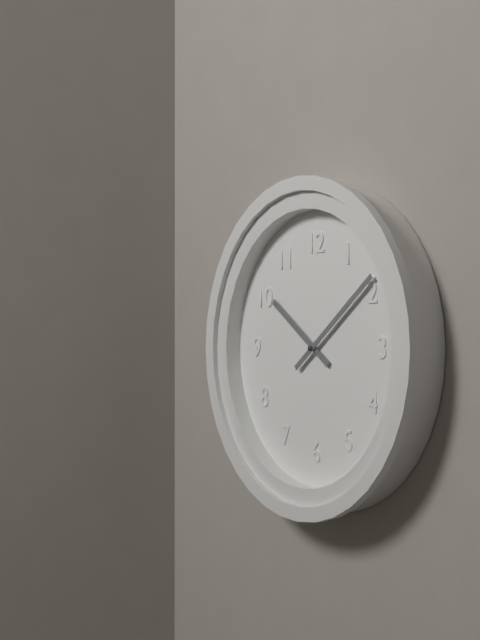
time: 10:09
